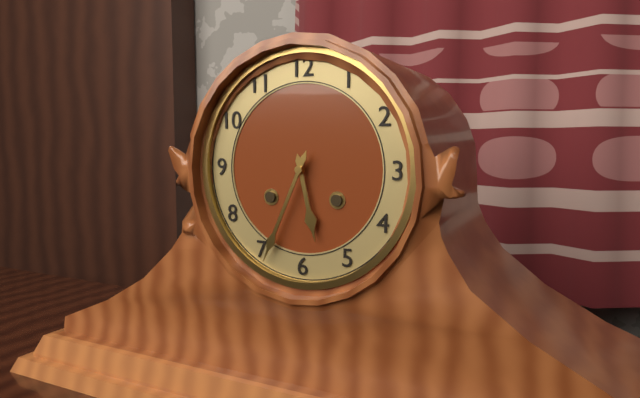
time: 5:34
